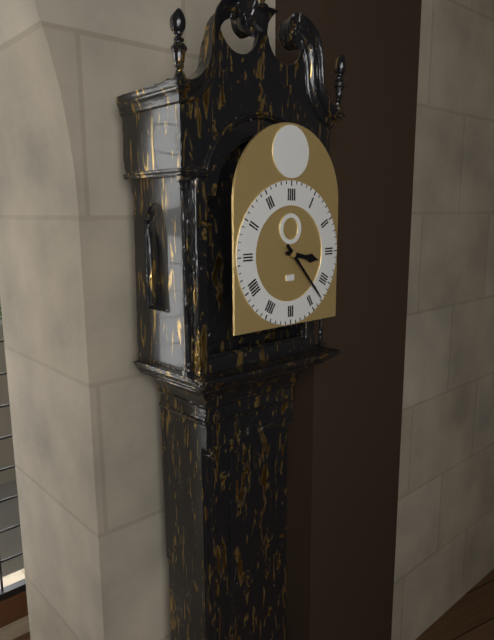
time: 3:23
